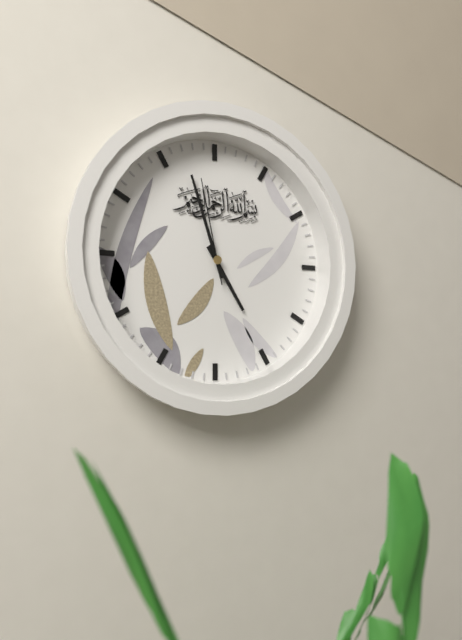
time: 4:57:58
